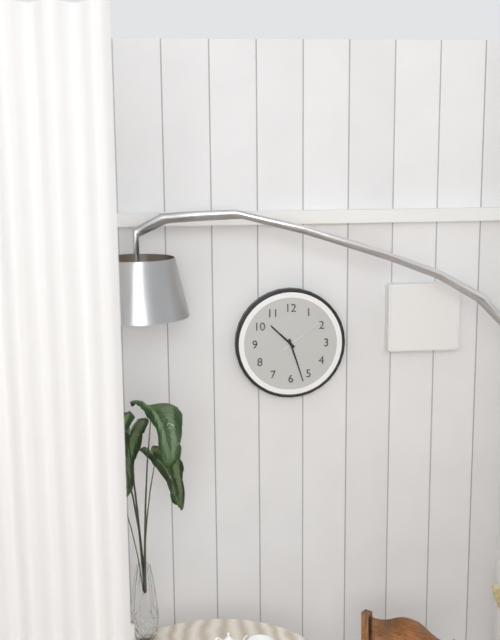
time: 10:27
